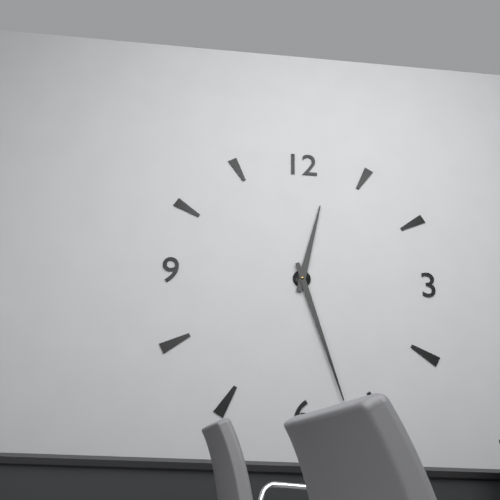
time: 12:27
